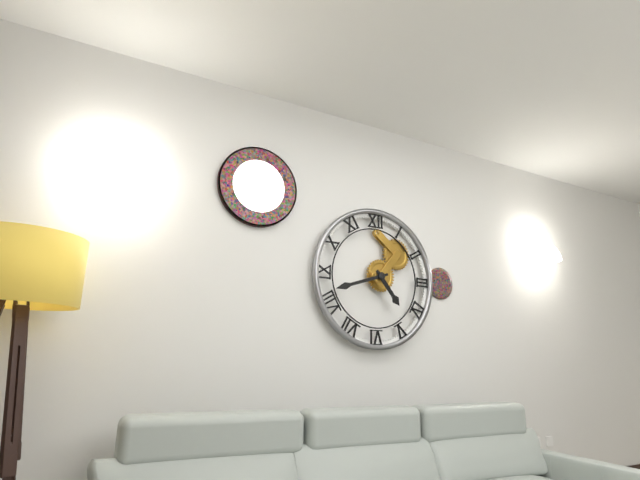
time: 4:42
